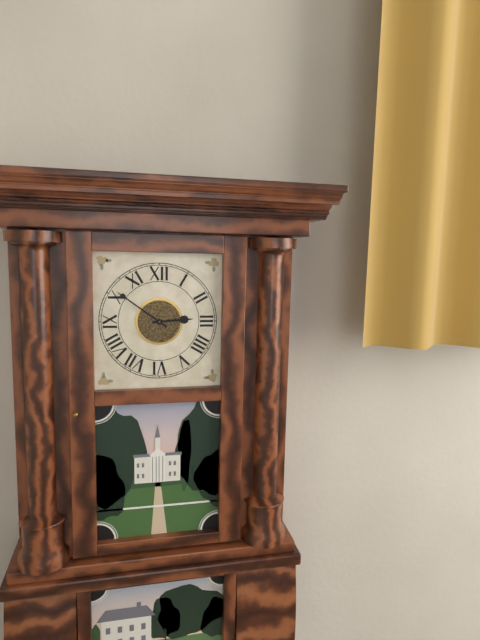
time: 2:51
